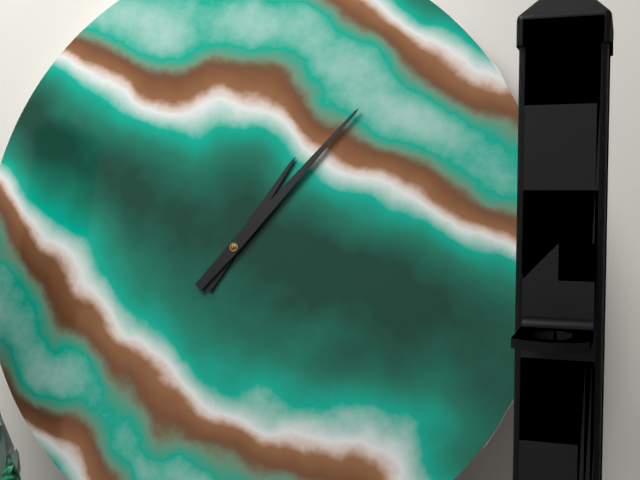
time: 1:07
